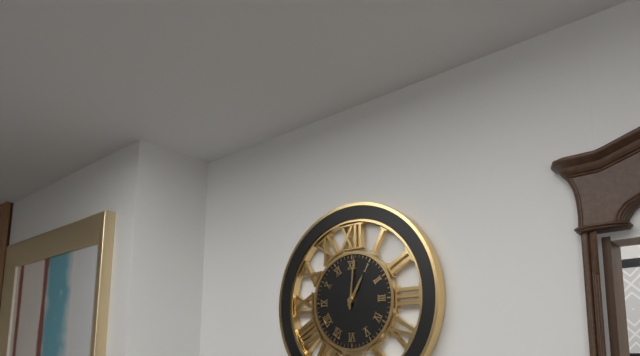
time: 1:01
